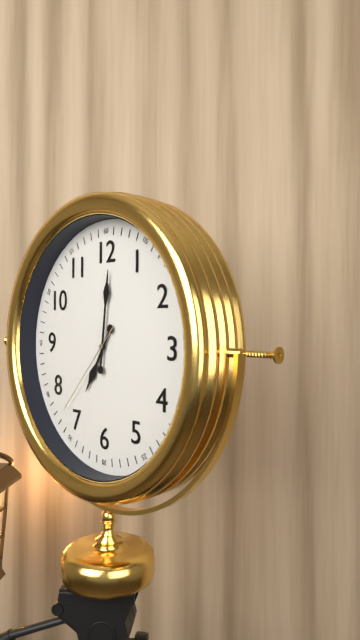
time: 7:01:37
